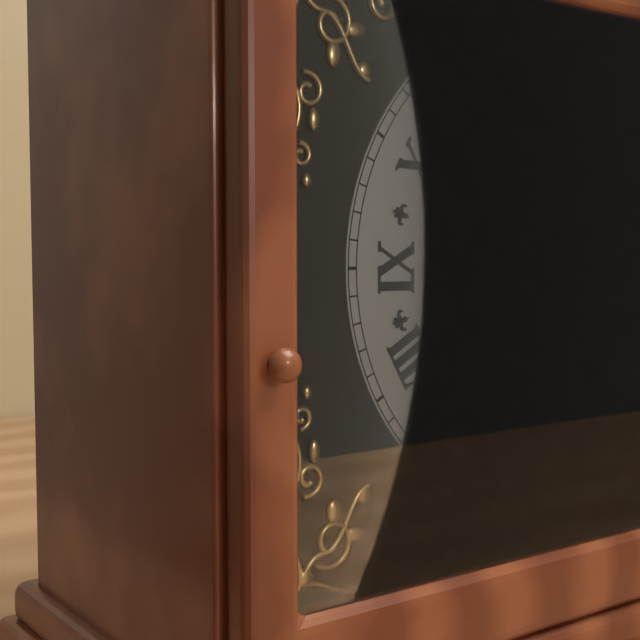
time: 11:56
